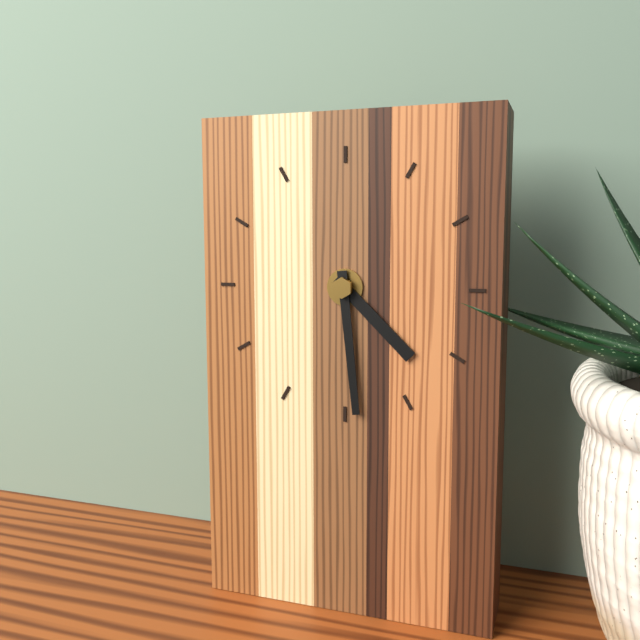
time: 4:29
